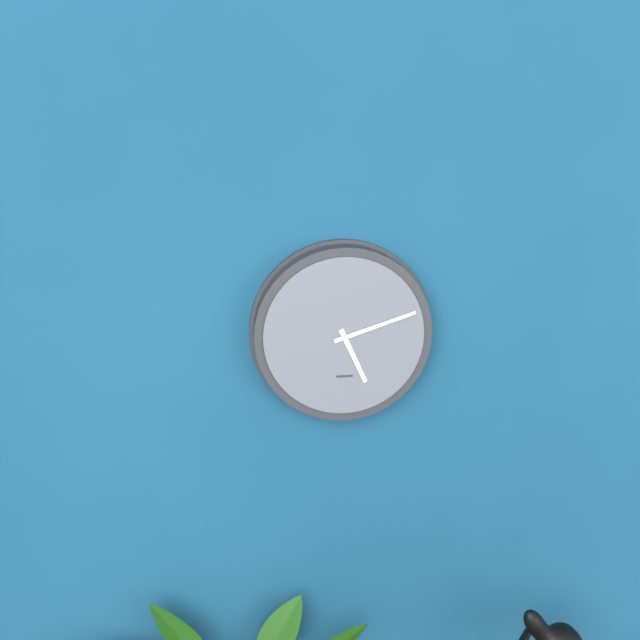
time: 5:12
